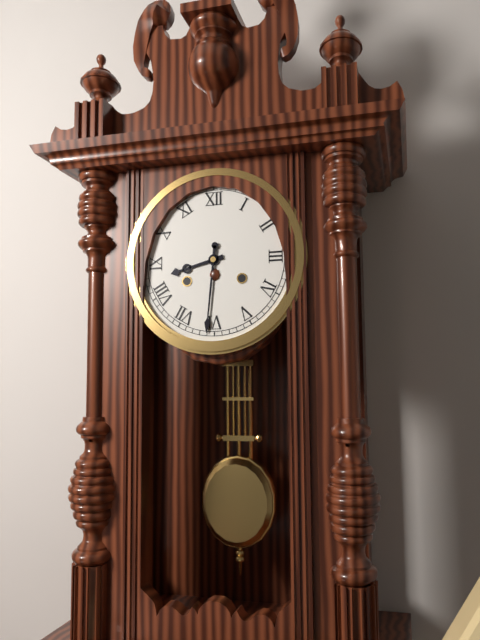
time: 8:31
